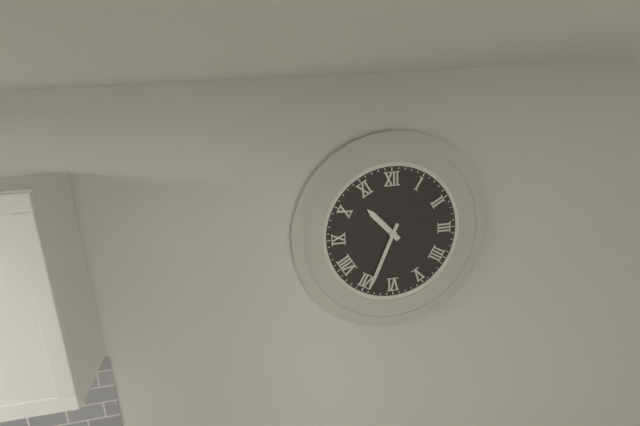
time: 10:34
